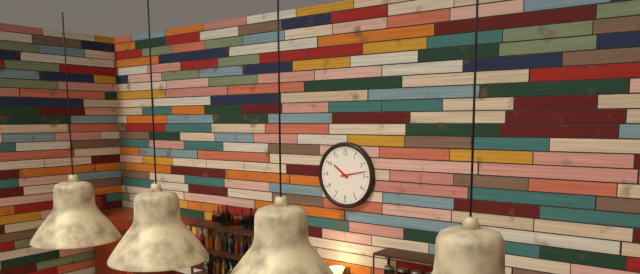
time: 10:13
